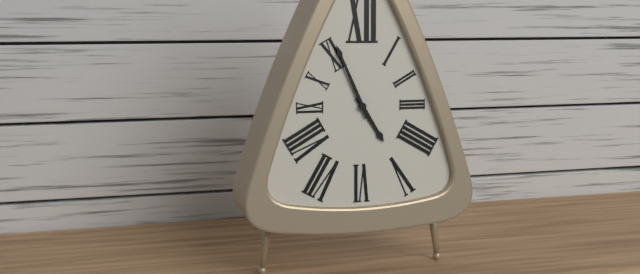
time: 4:56
